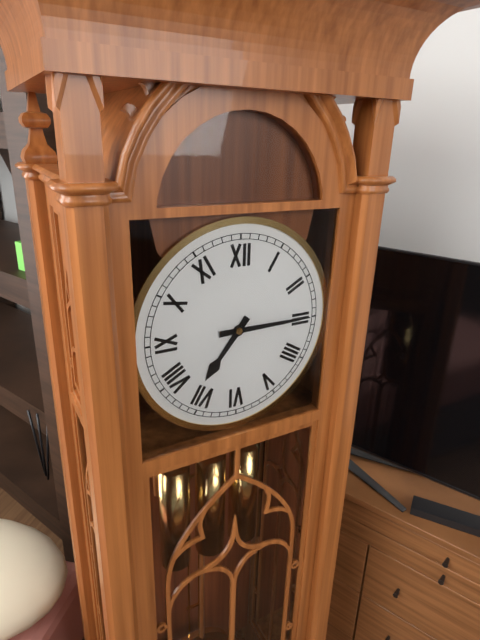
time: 7:15
